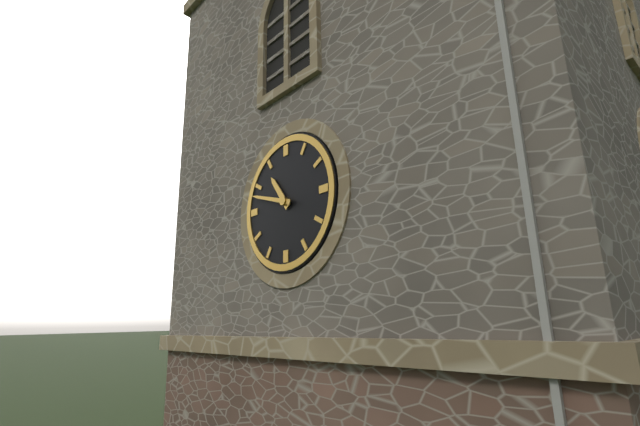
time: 10:48
